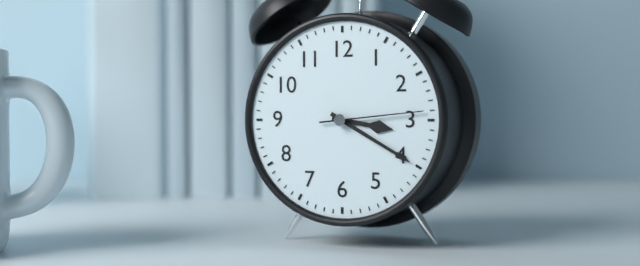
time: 3:20:14
